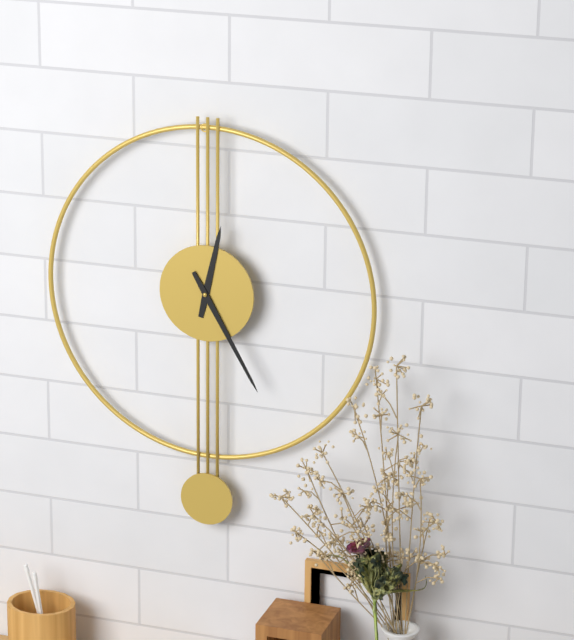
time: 12:25
